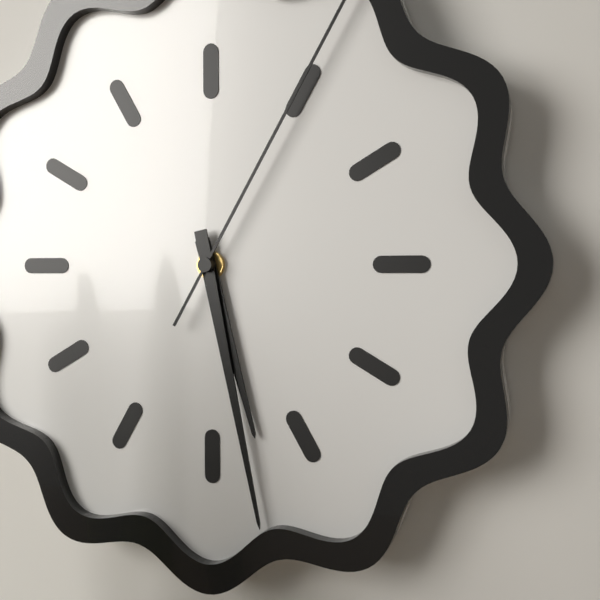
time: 5:28
